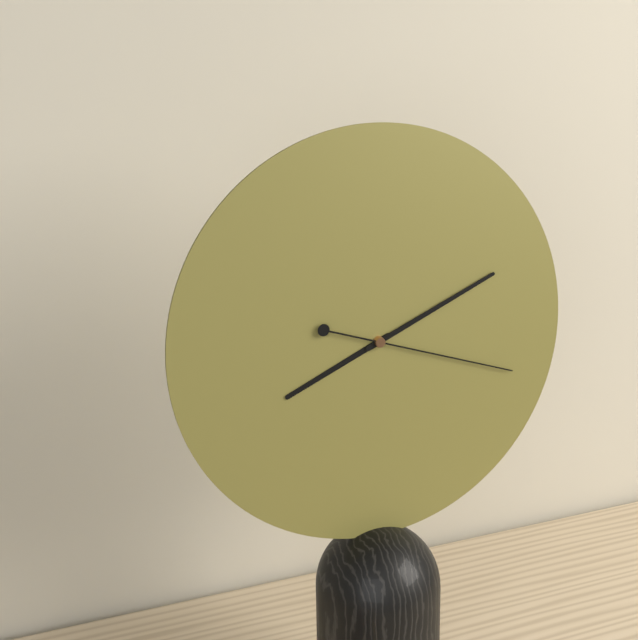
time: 8:11:18
